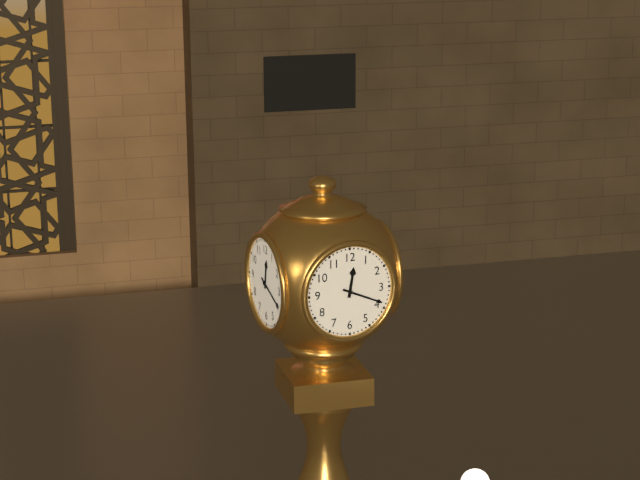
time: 12:19
